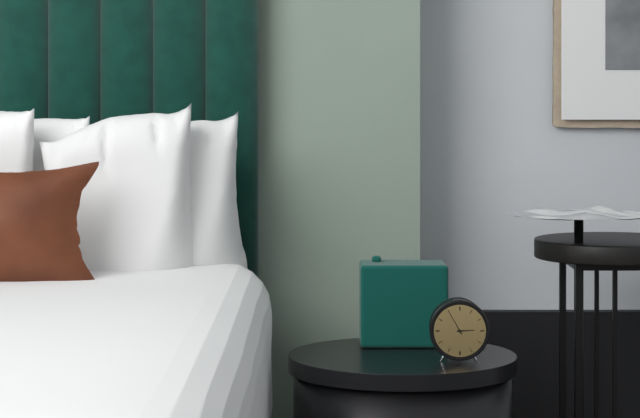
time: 2:55
